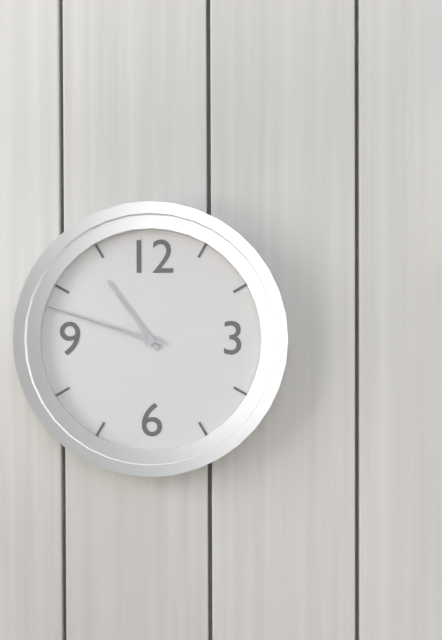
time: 10:48
